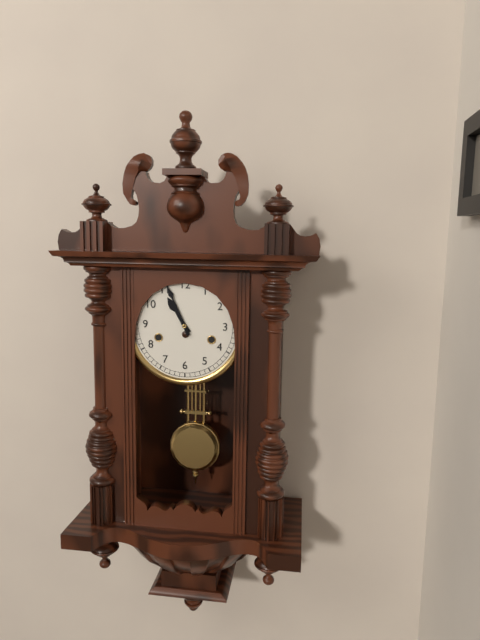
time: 10:56
